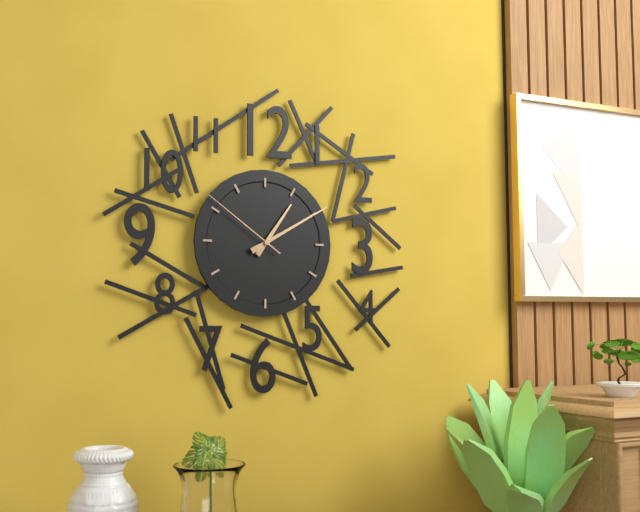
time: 1:10:51
